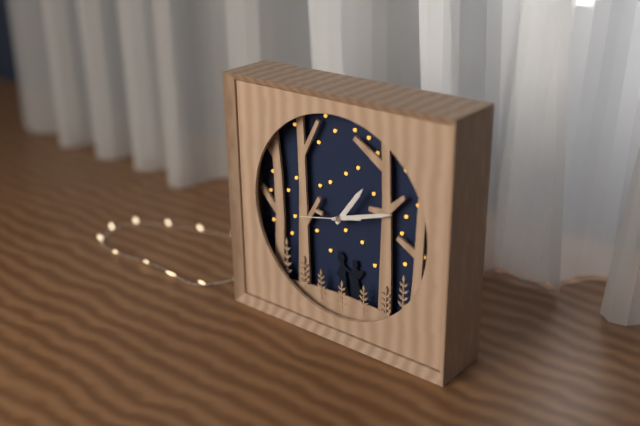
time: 1:12:43
